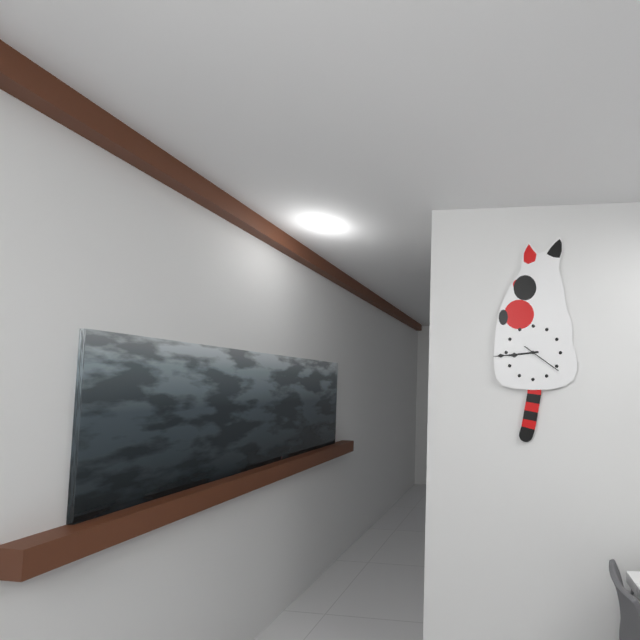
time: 8:44
